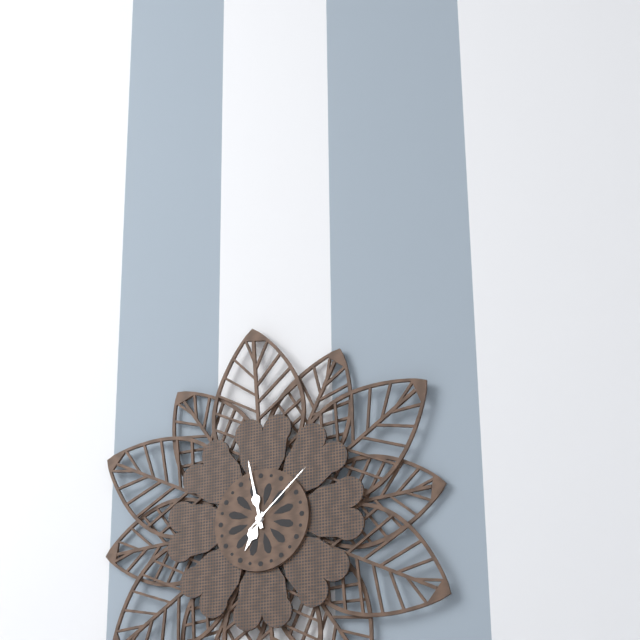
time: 6:58:08
